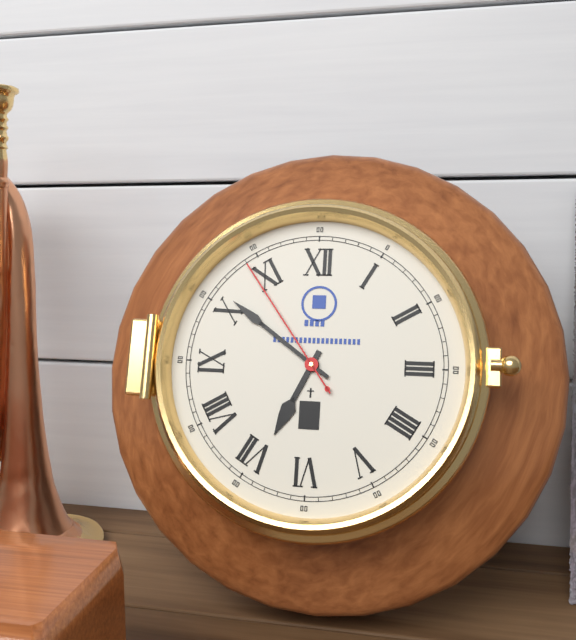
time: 6:51:54
